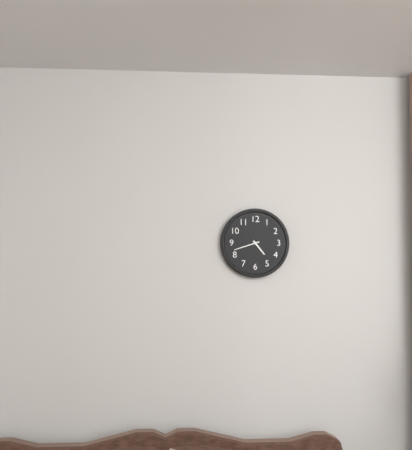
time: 4:42
